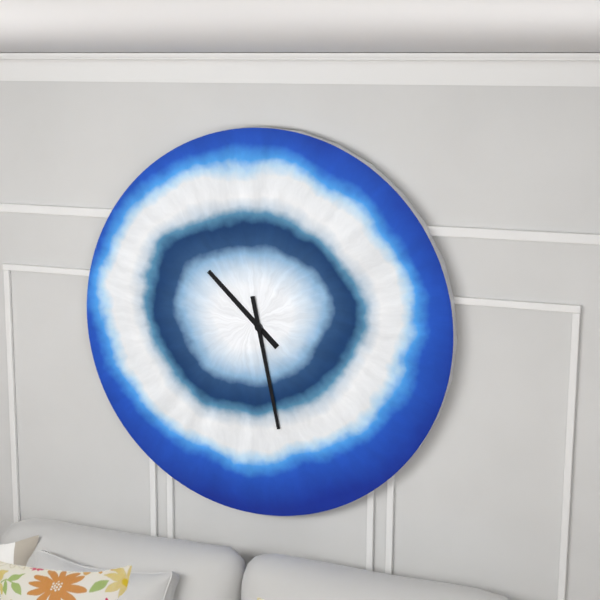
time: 10:28
